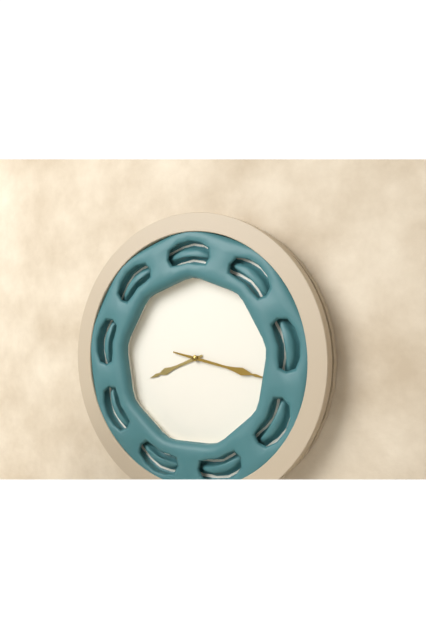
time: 8:17
